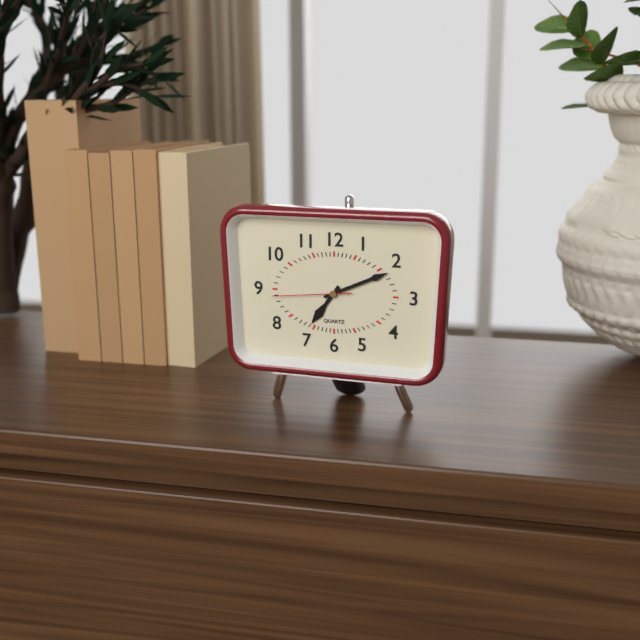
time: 7:11:44
